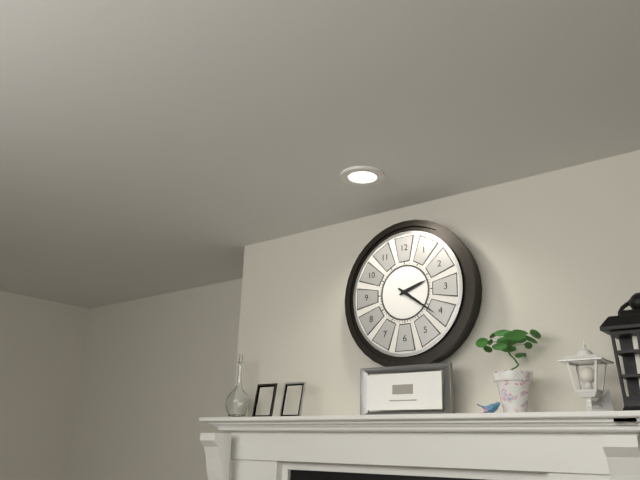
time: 2:21
